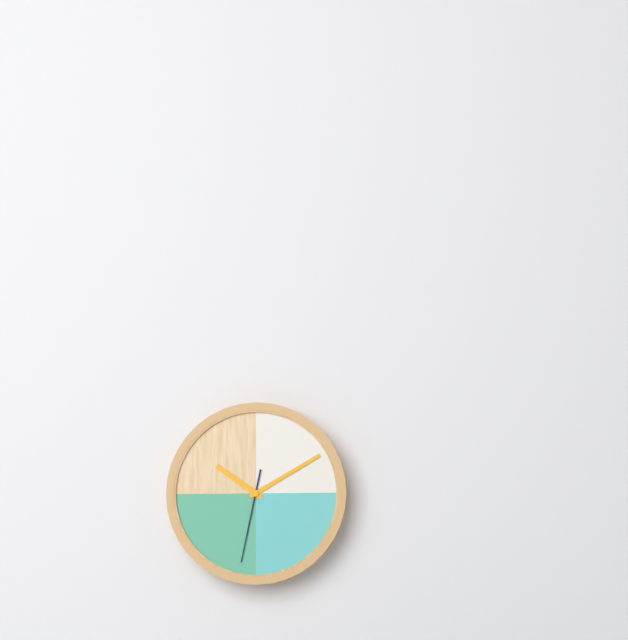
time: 10:10:32
